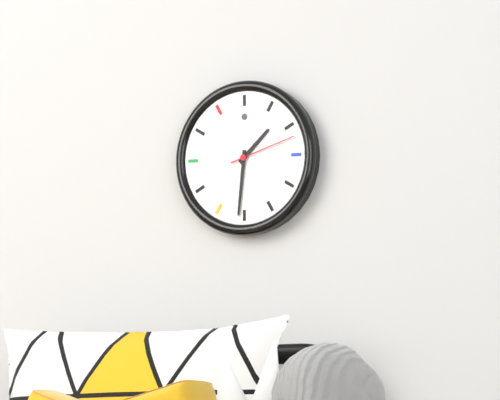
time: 1:31:12
